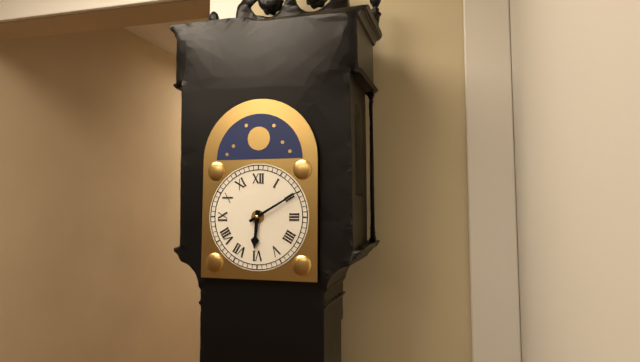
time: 6:10
